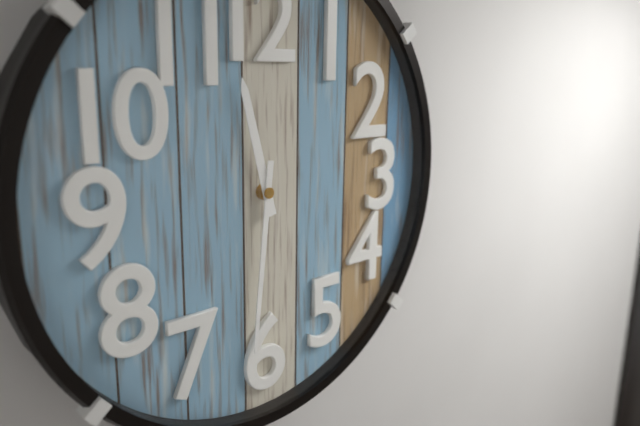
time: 11:31
